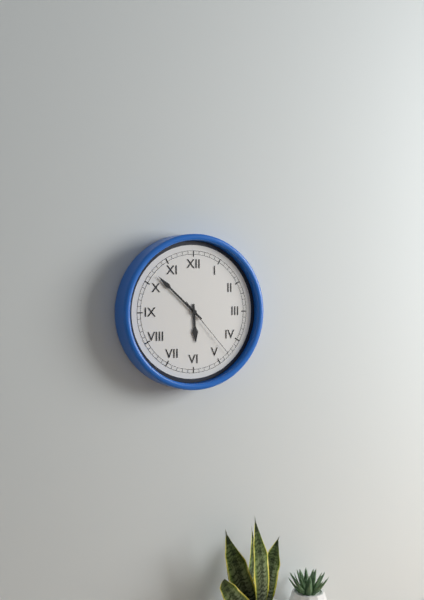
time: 5:52:23
